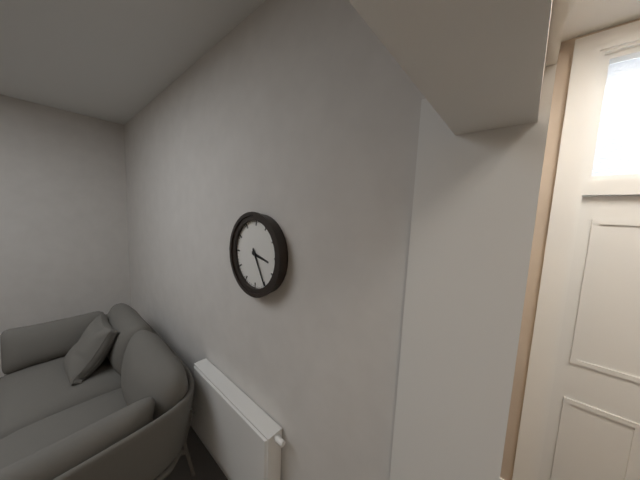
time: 3:25
